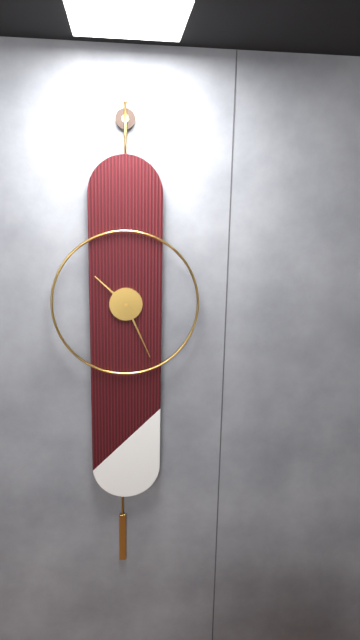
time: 10:26
